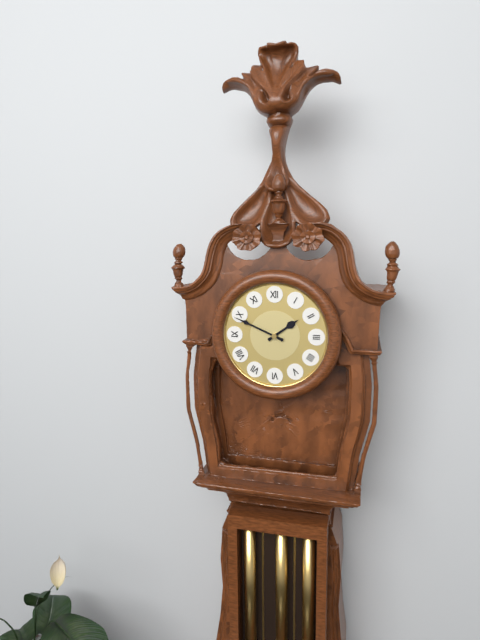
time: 1:49
